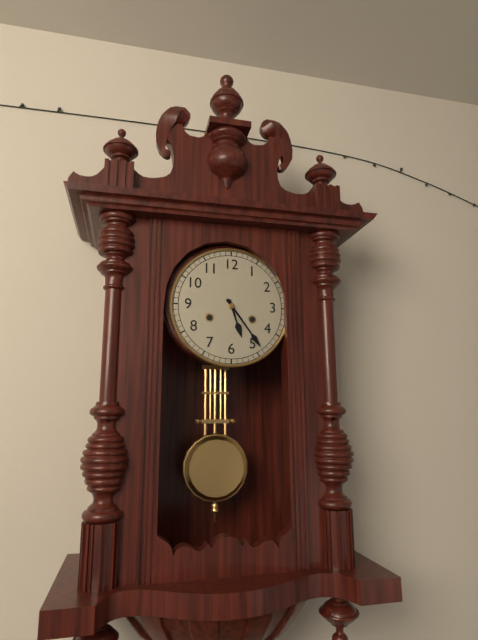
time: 5:24
